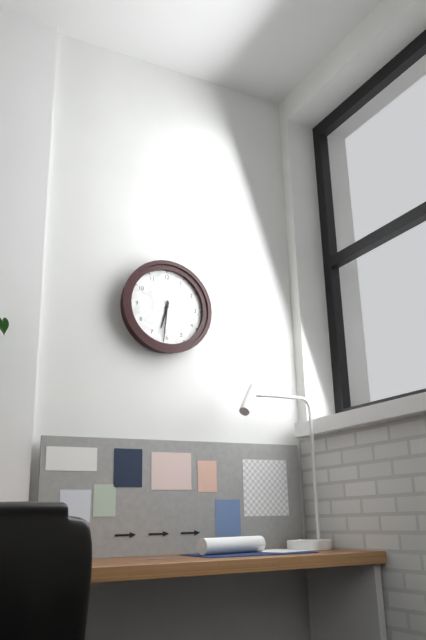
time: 6:31
